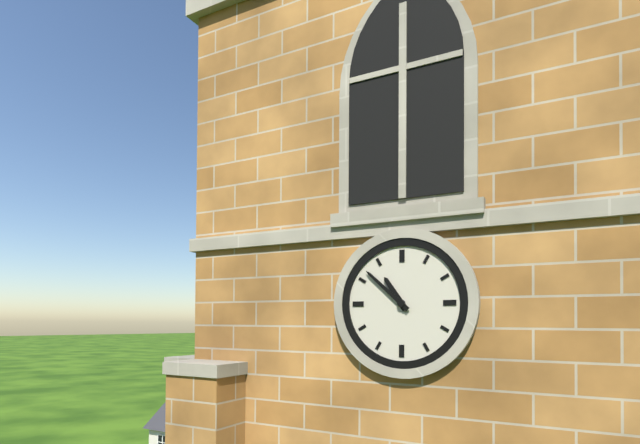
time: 10:52
